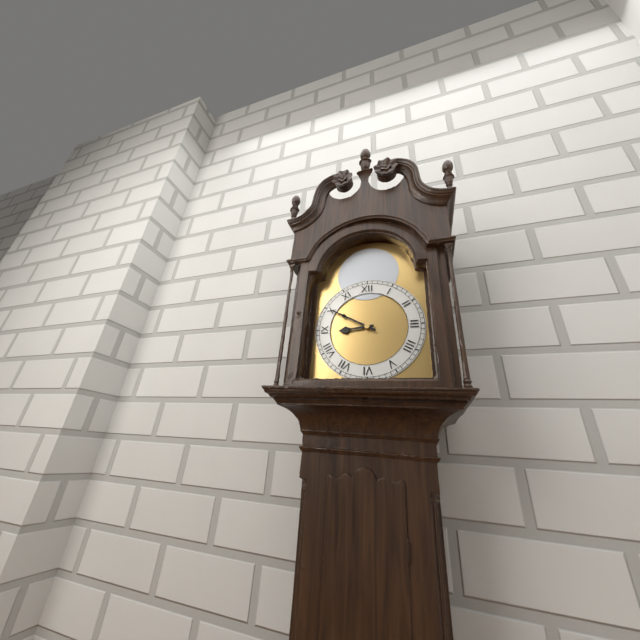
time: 8:50
